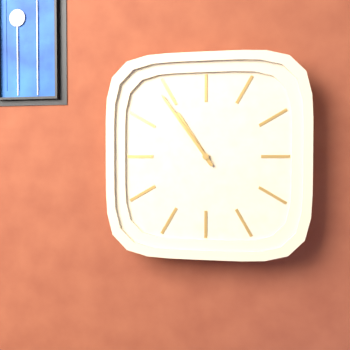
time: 10:54
